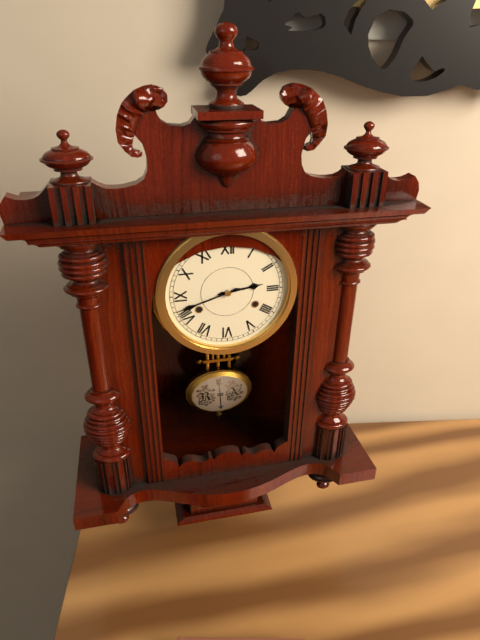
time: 2:42
